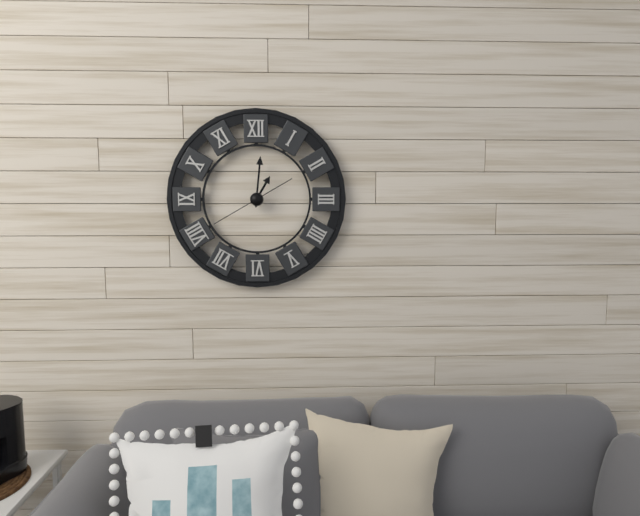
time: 1:01:40
